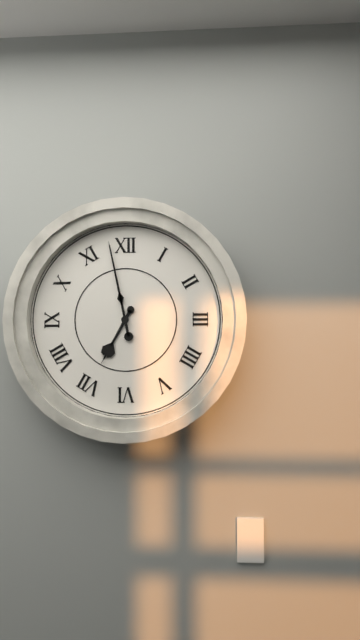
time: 6:58
